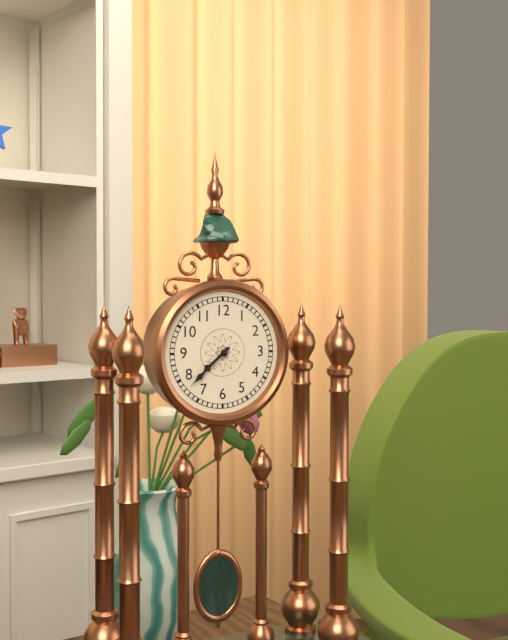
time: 7:38
